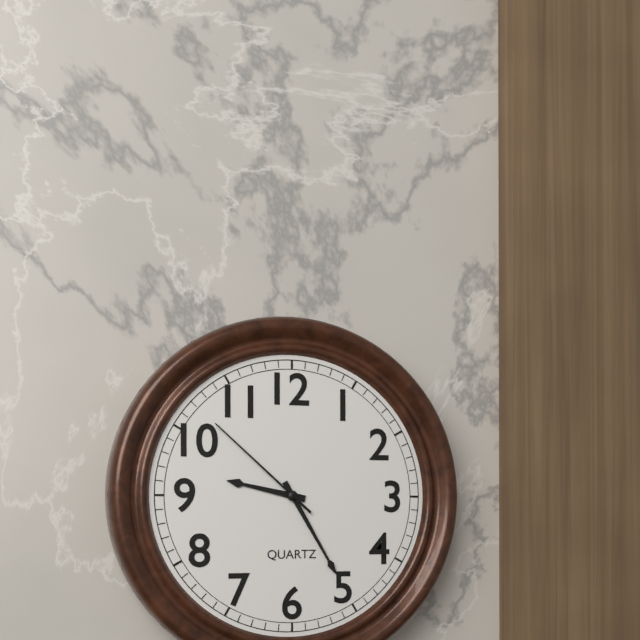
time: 9:25:52
